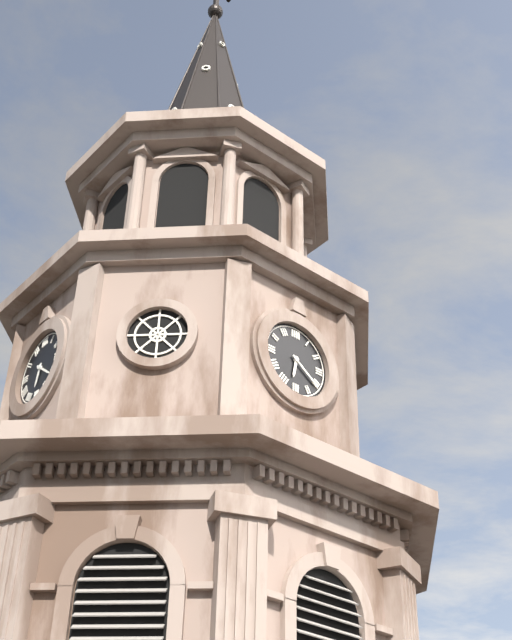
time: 6:21
